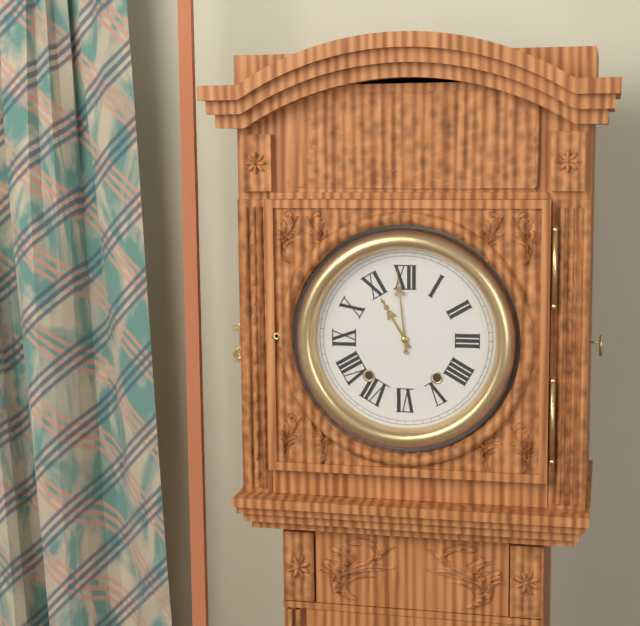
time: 10:59
